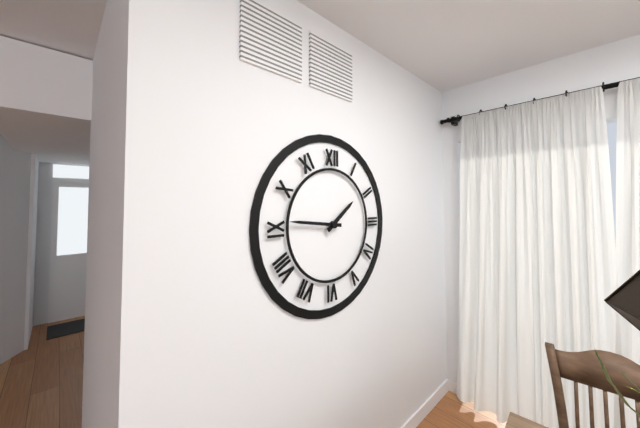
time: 1:46
